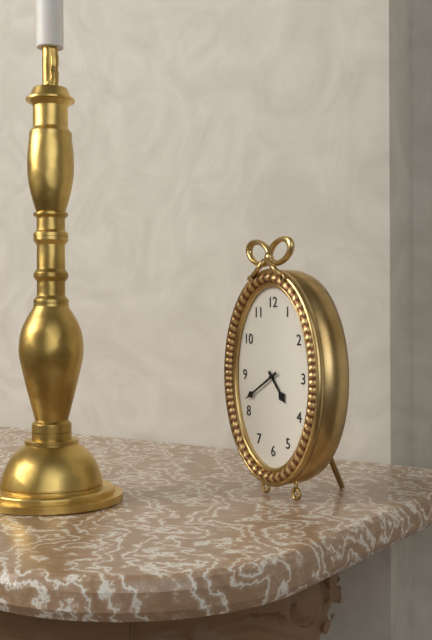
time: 4:40
